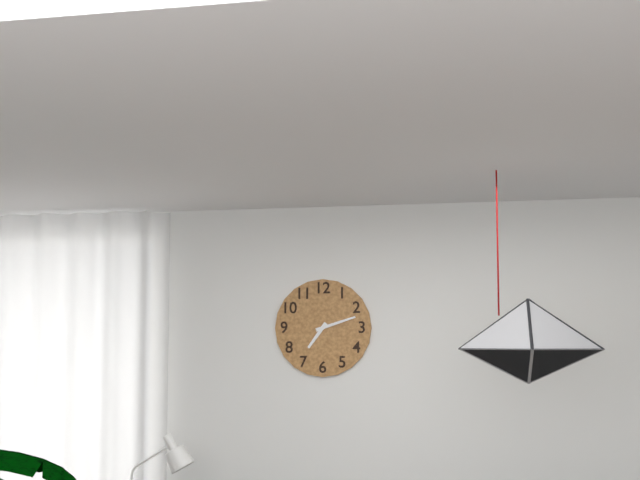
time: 7:12
